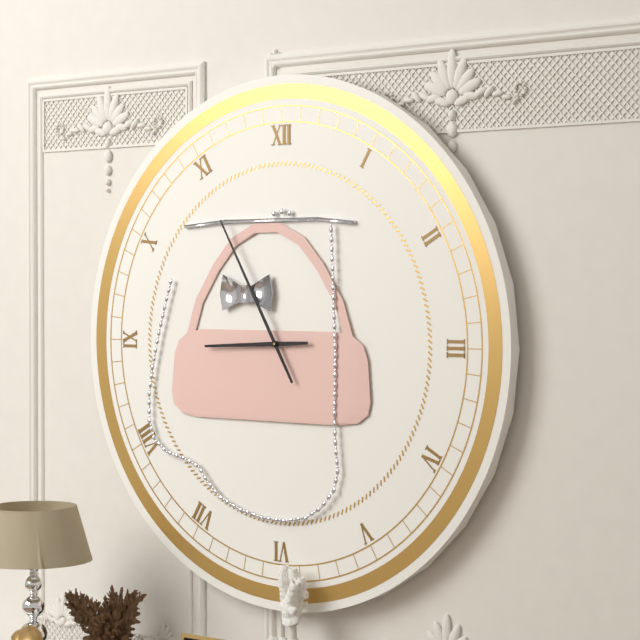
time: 8:55
